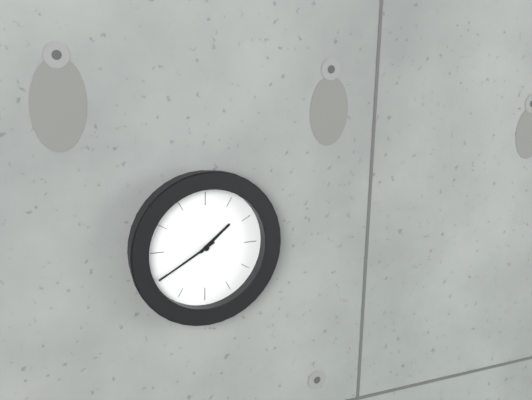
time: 1:40
